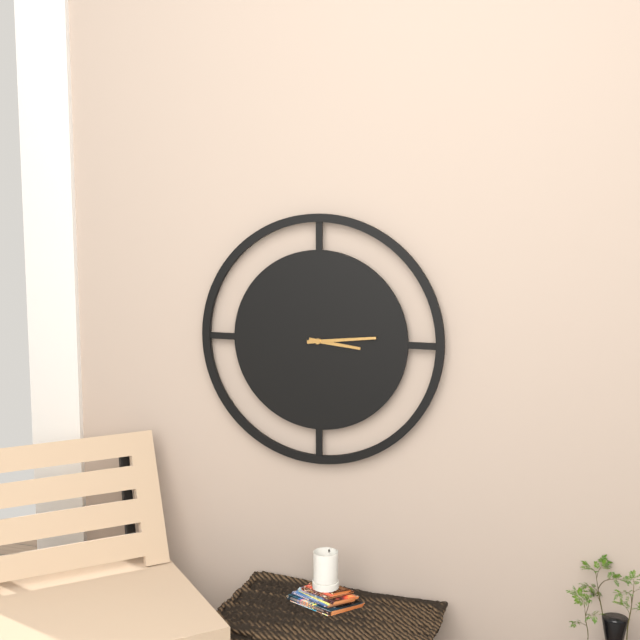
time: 3:14
